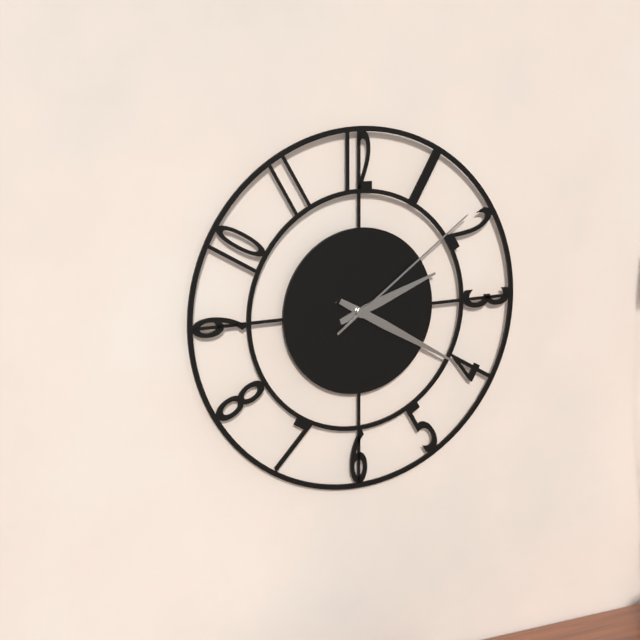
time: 2:20:09
